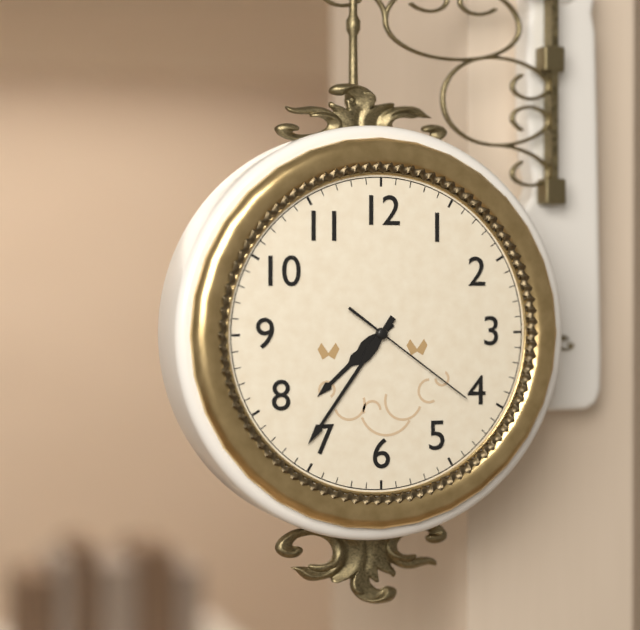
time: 7:36:21
